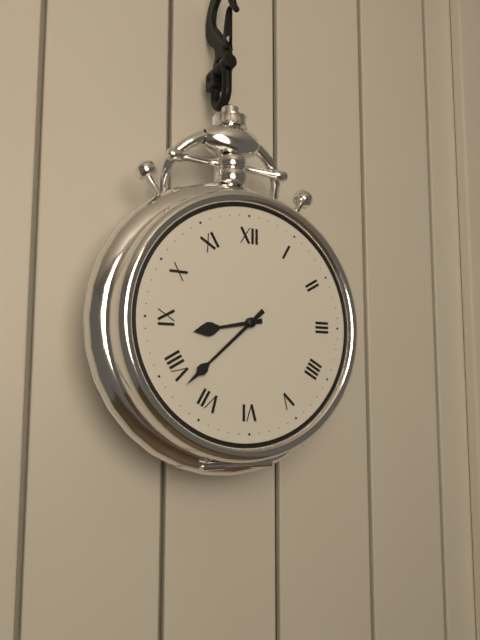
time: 8:38
